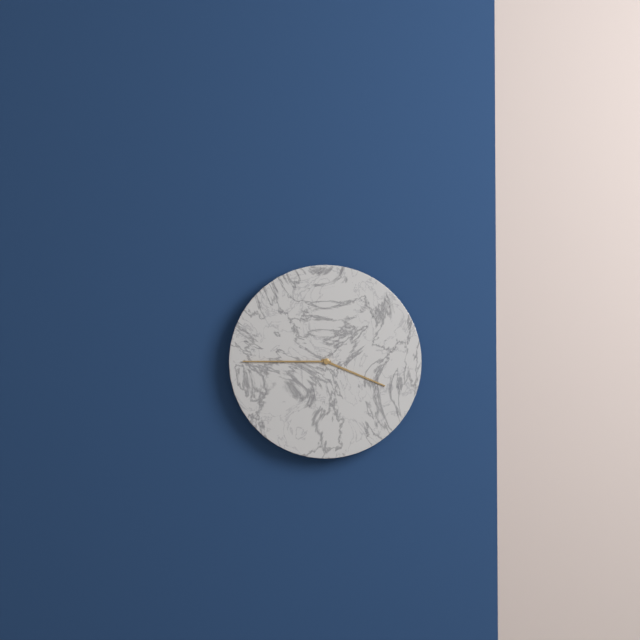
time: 3:45
